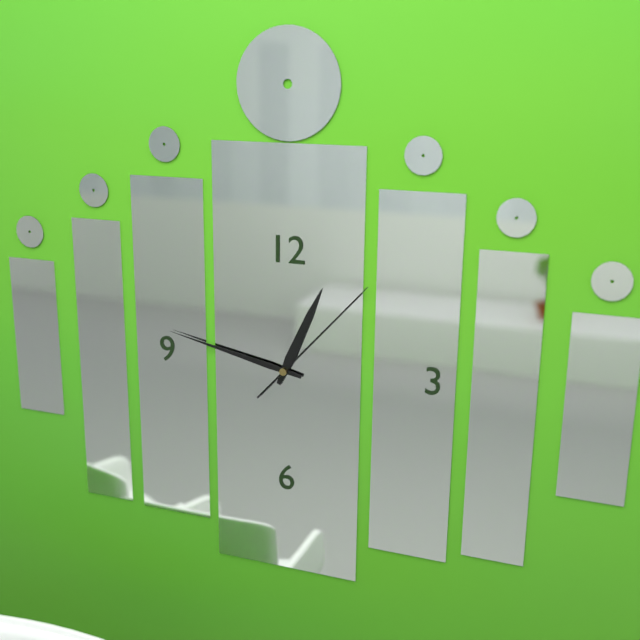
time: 12:47:07
